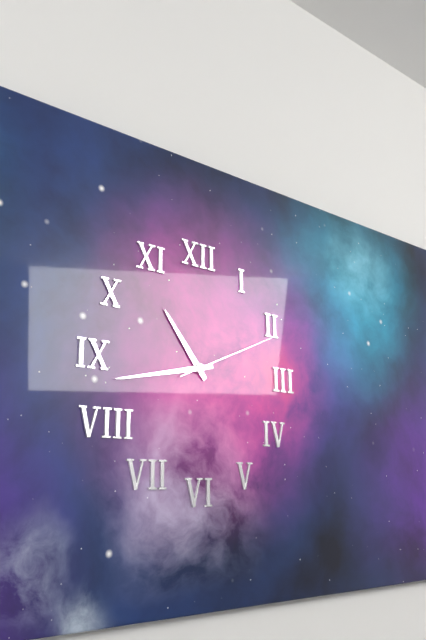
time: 10:43:11
